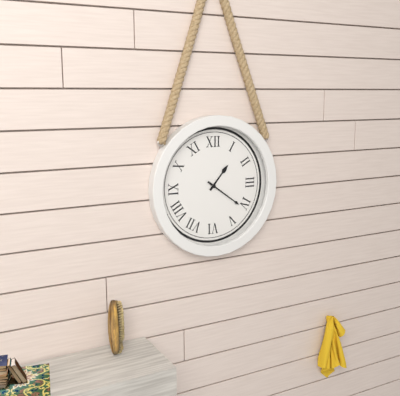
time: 1:21
